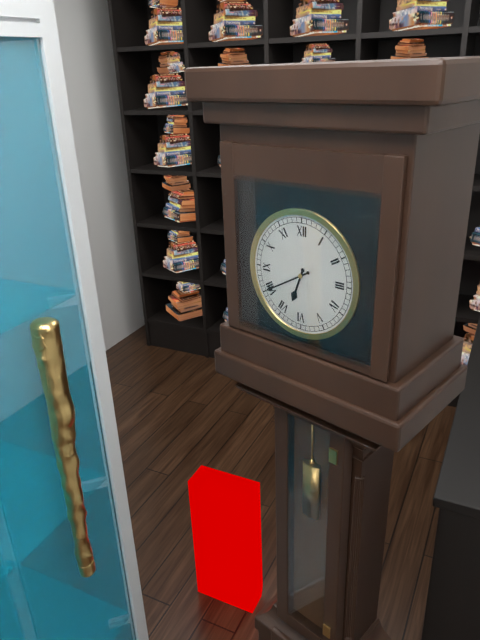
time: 6:40
